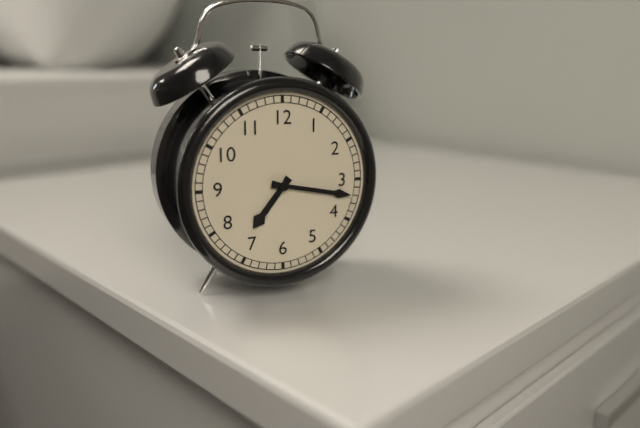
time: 7:17
